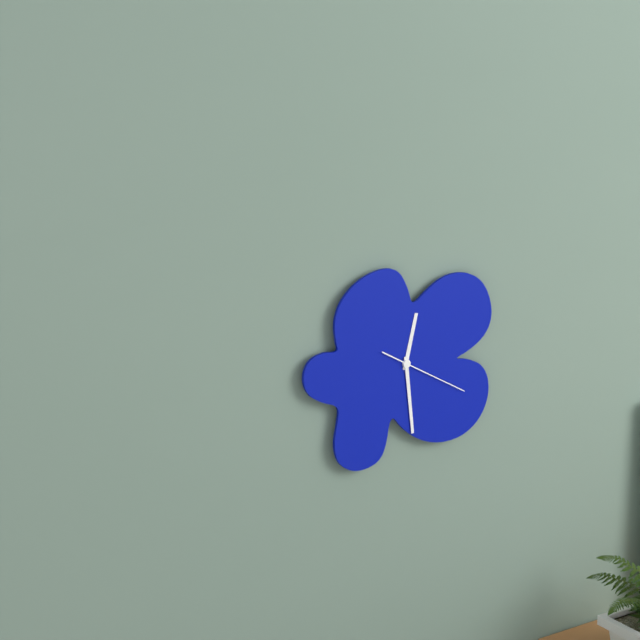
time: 12:29:20
